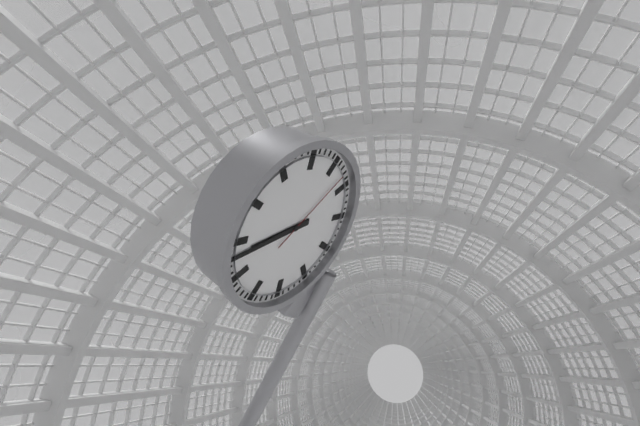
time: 7:38:03
